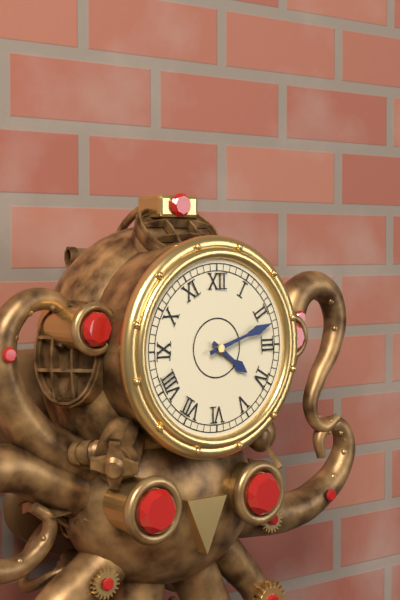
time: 4:12
